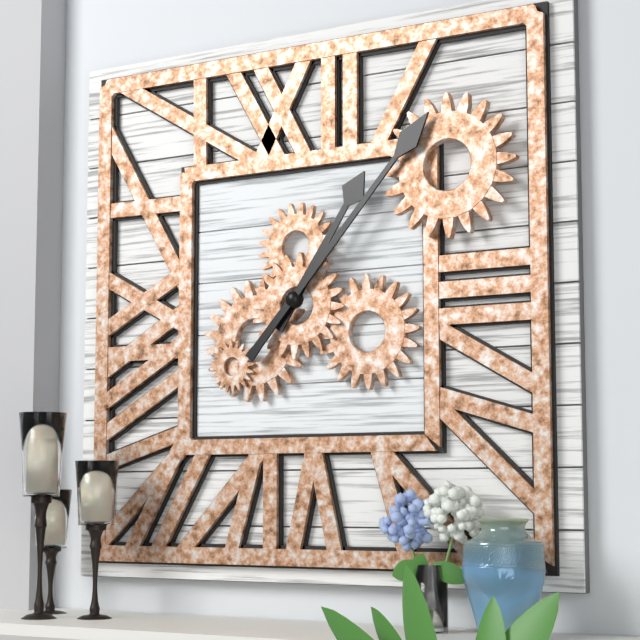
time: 1:07
